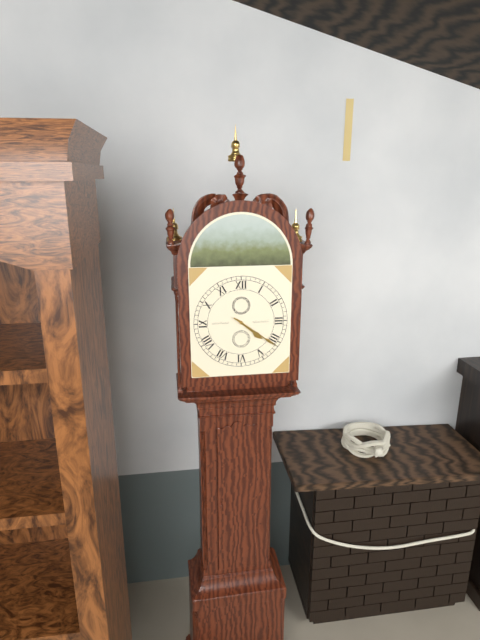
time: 4:21
